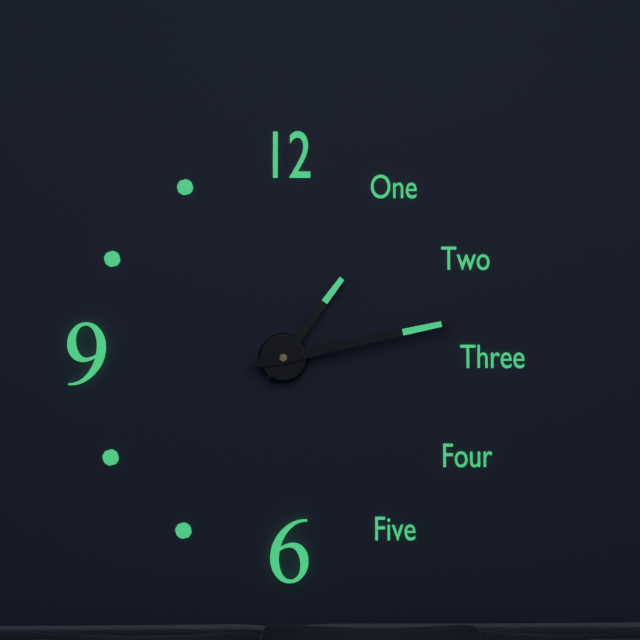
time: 1:13
